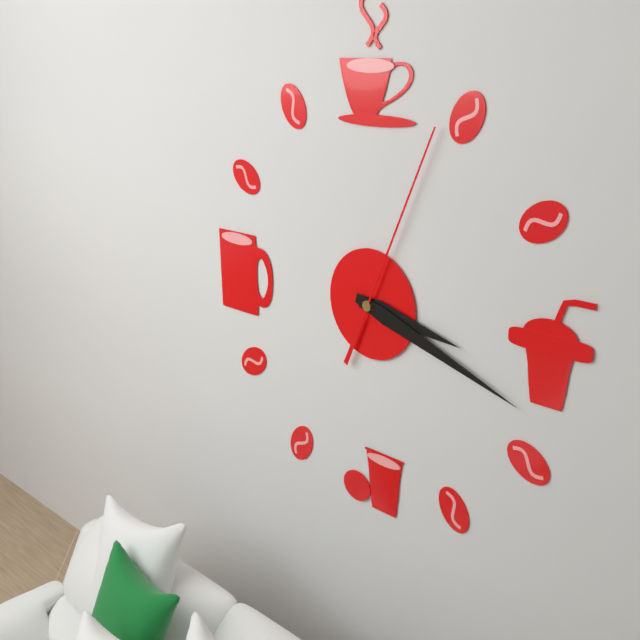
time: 3:18:04
